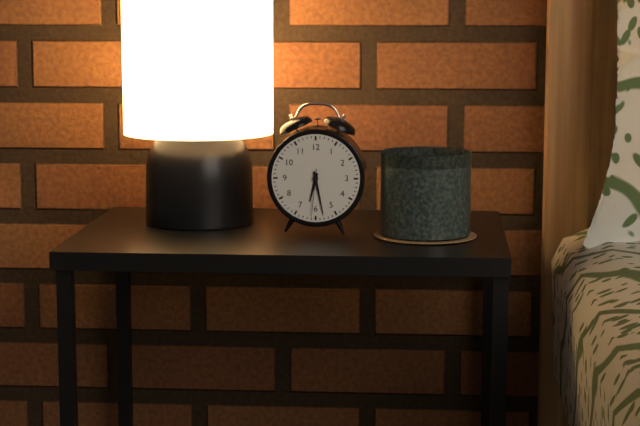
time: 6:28
